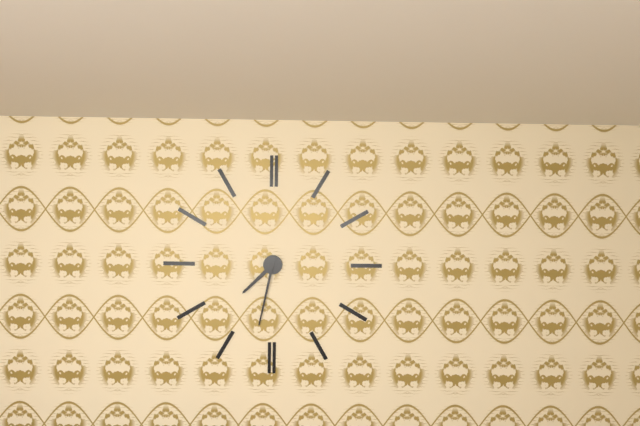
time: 7:32
